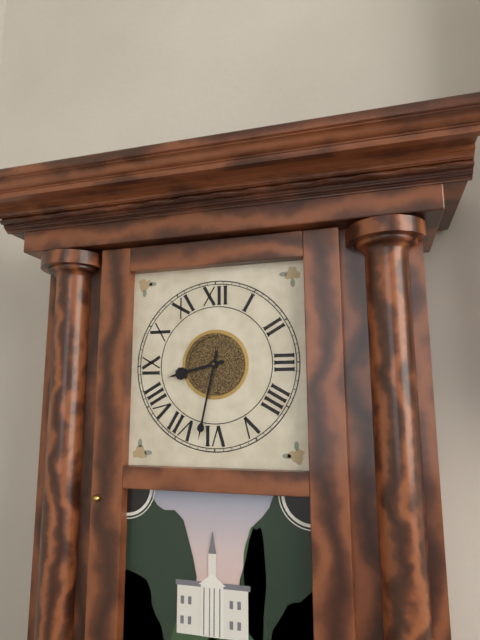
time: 8:32
